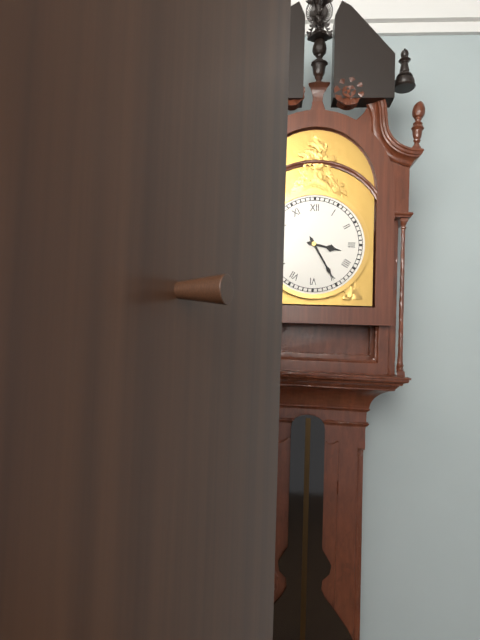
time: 3:25
